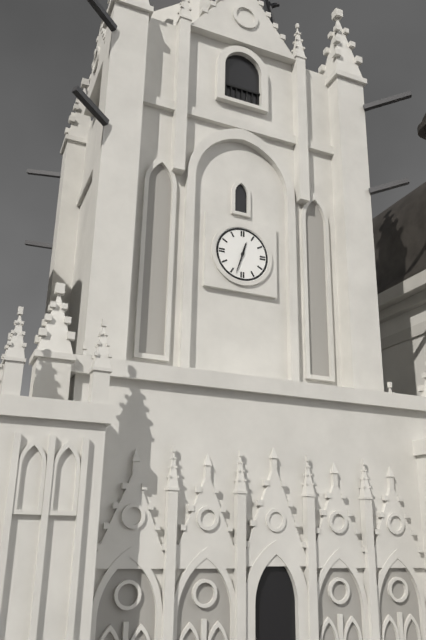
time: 12:33
